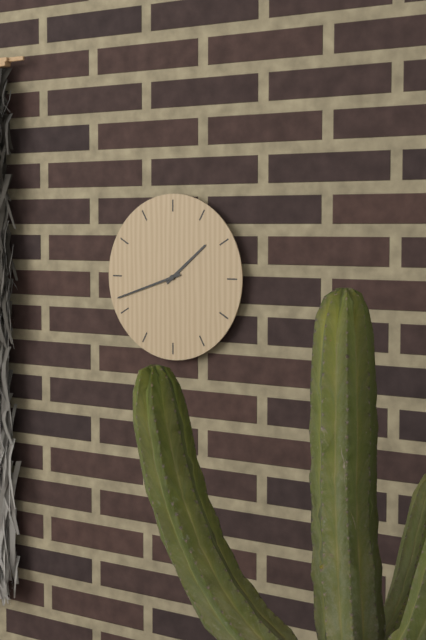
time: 1:42
